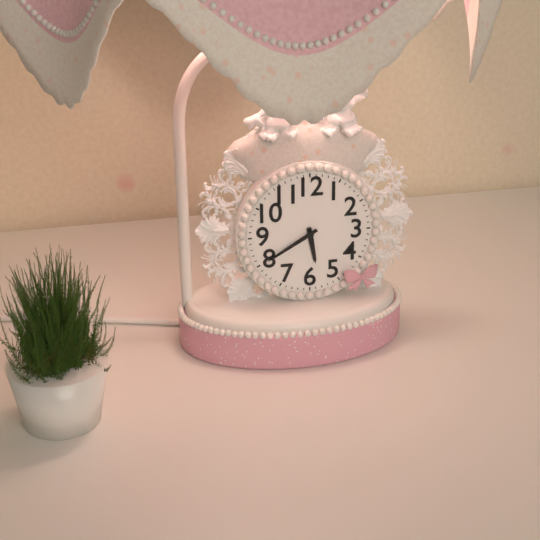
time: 5:40
